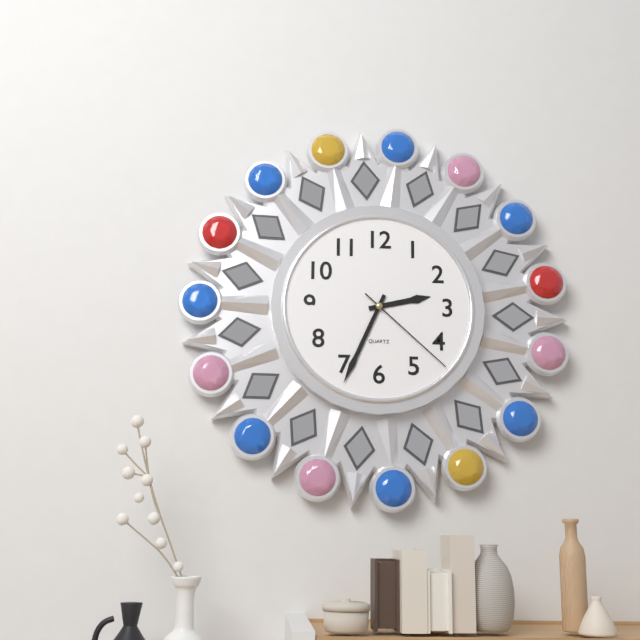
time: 2:34:22
